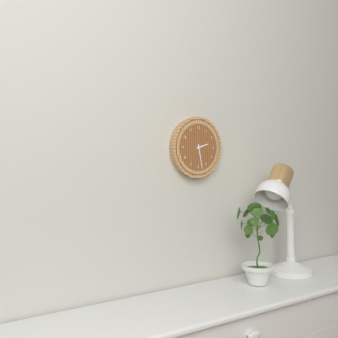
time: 2:28
